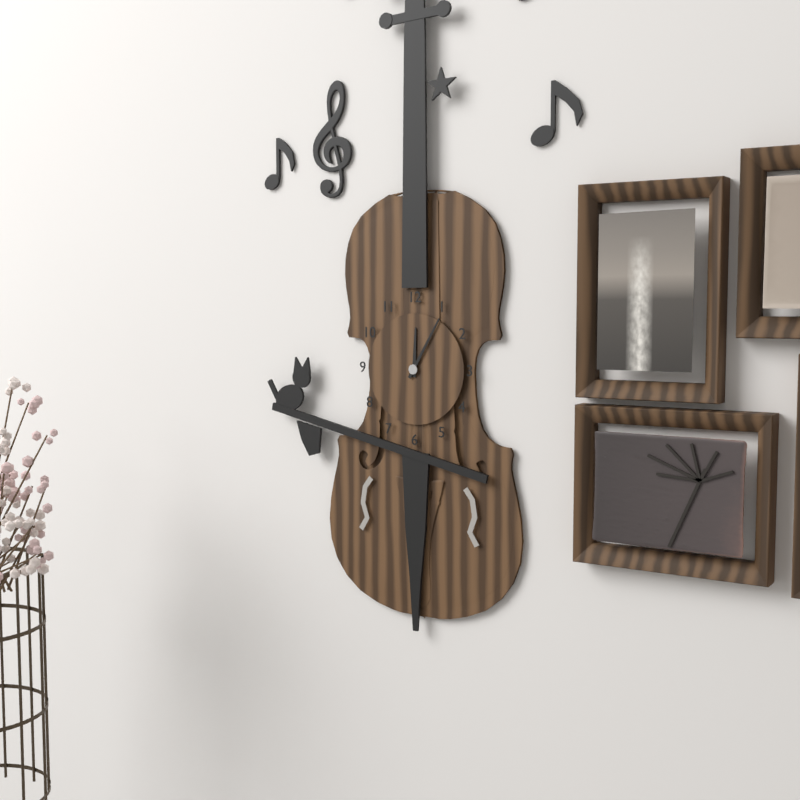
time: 12:05
